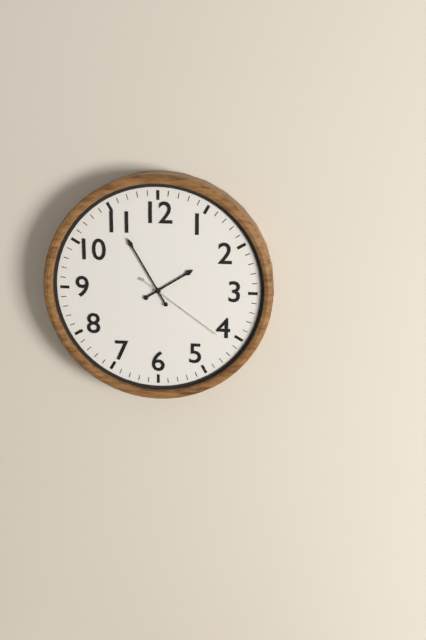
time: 1:55:21
